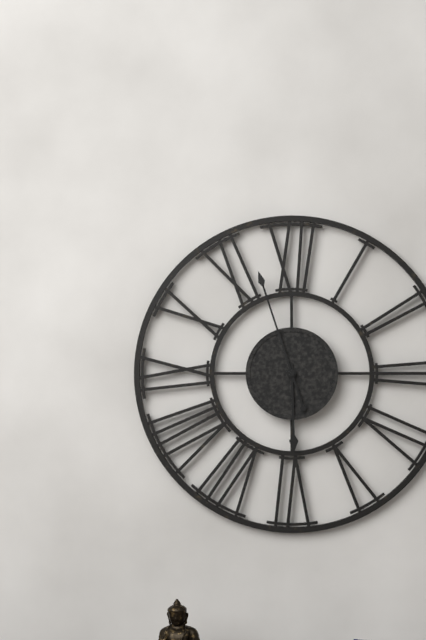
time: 5:57
